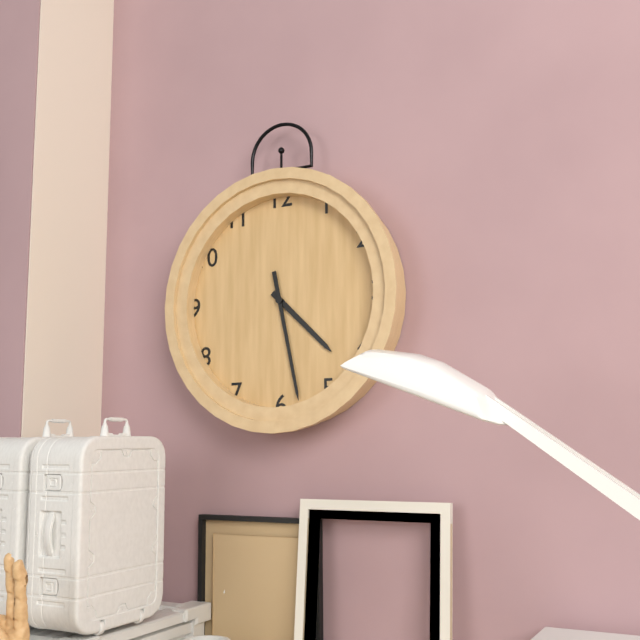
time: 4:28
